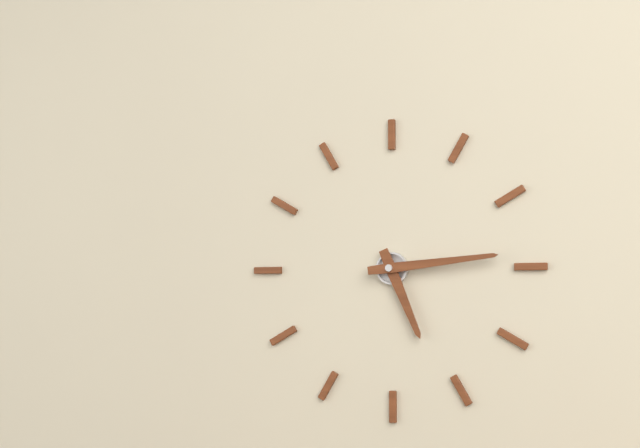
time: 5:14
